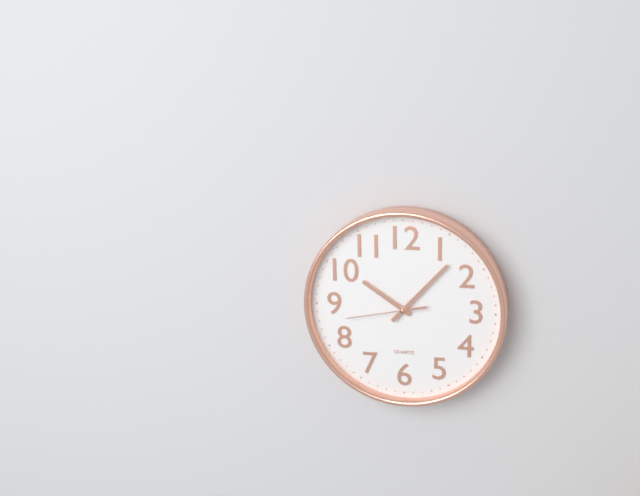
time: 10:07:43
